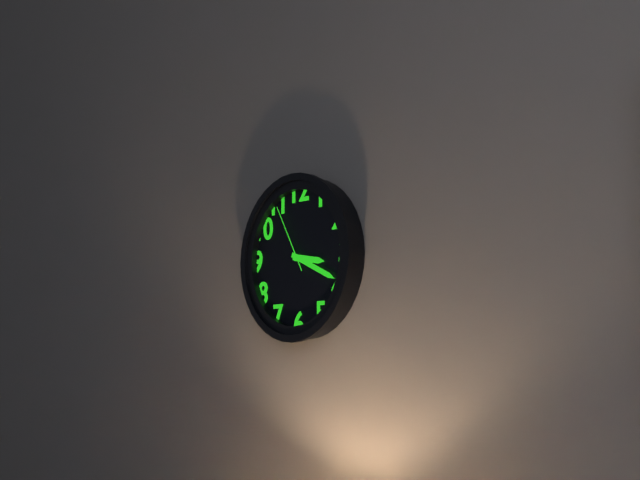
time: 3:19:55
